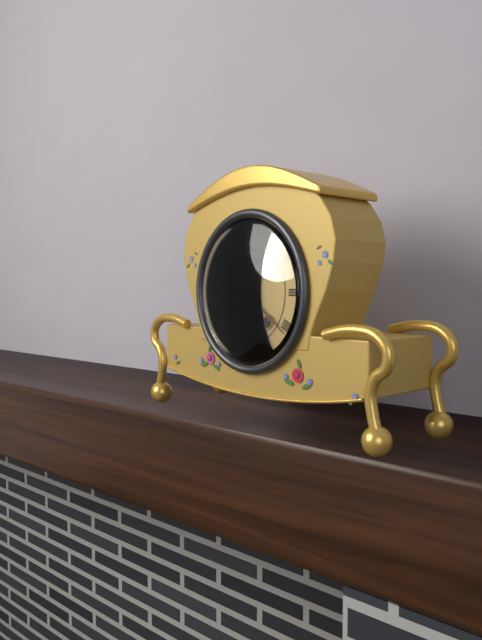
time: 5:21
